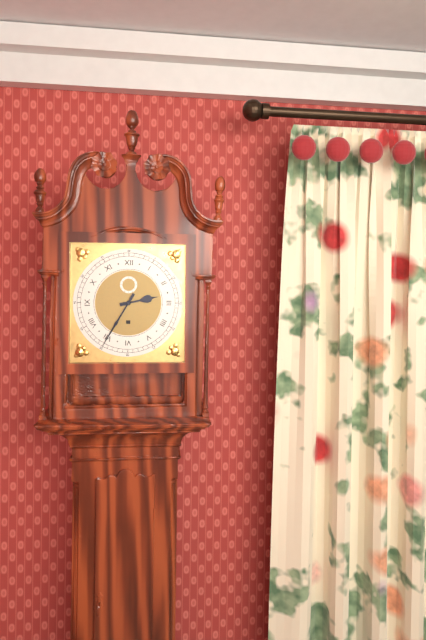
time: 2:35
